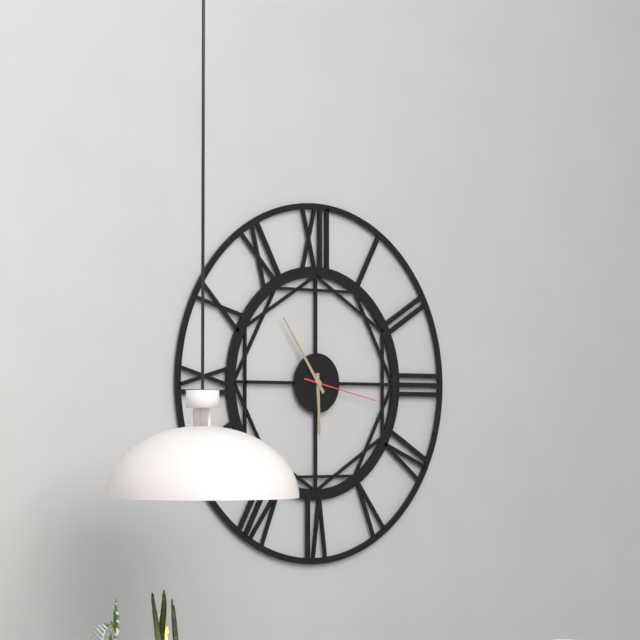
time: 5:54:17
